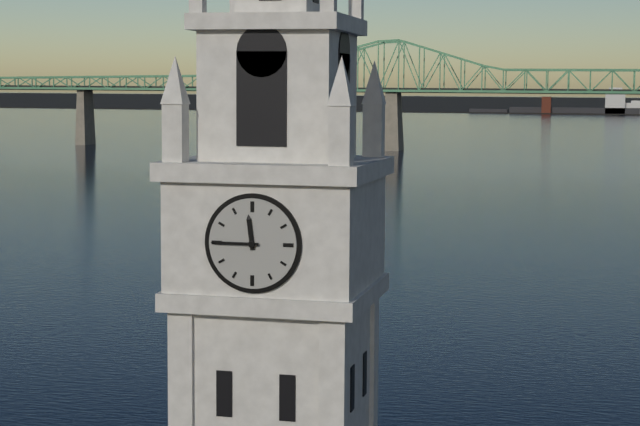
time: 11:45
